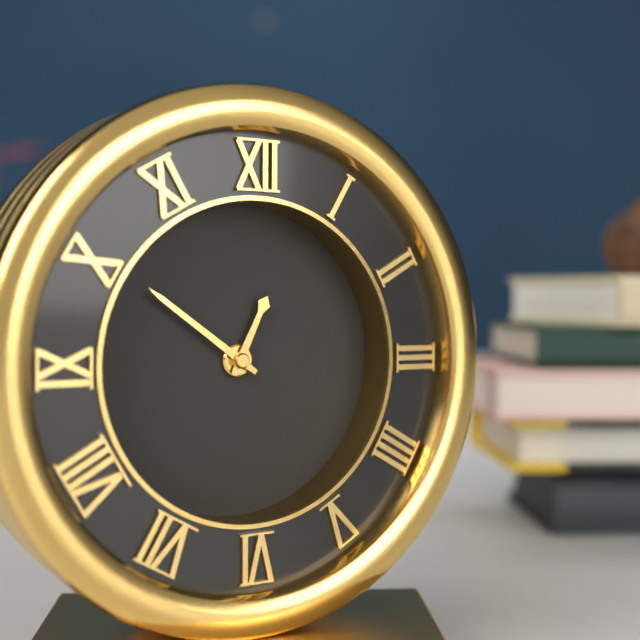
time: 12:51
